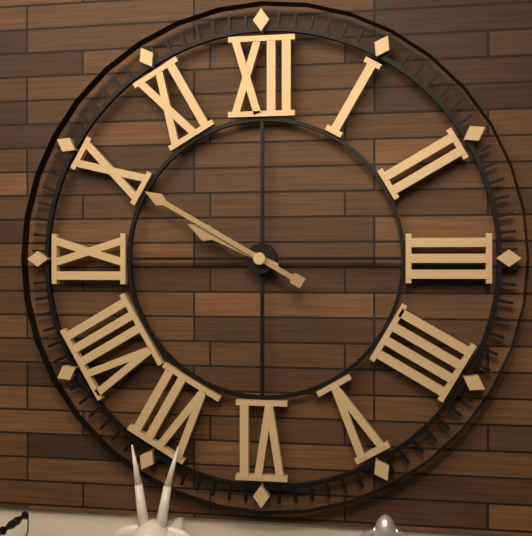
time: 9:50
